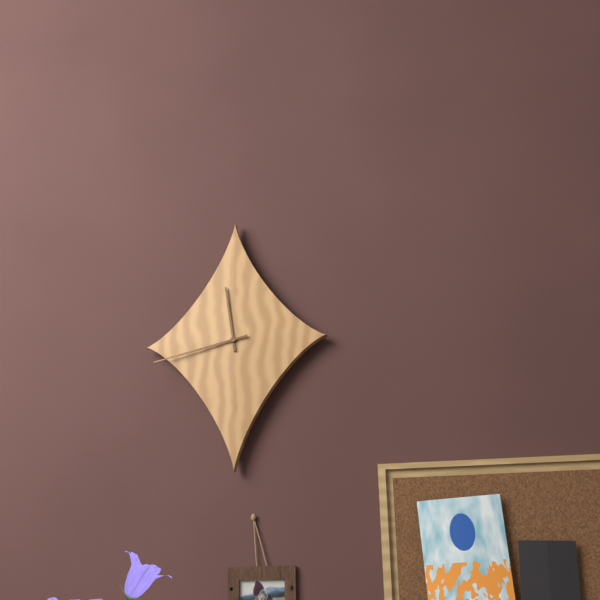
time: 11:43
